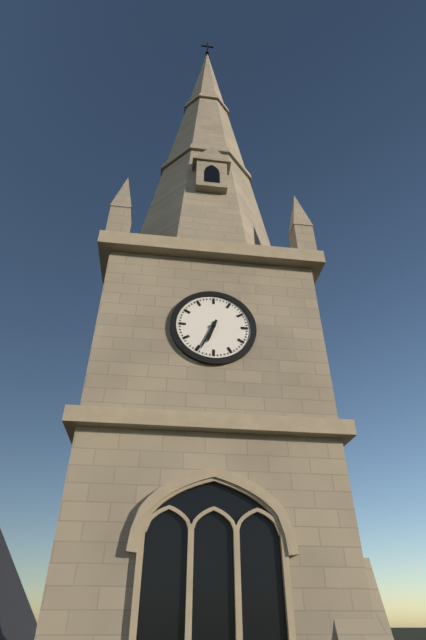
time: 6:34
